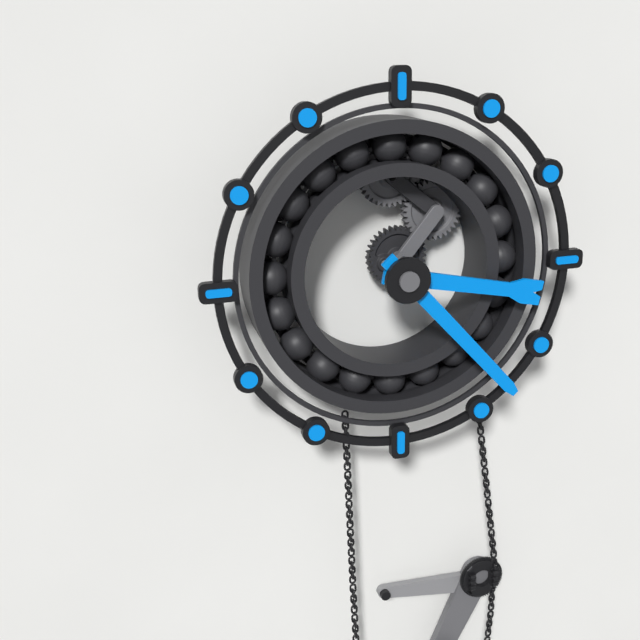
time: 3:23
